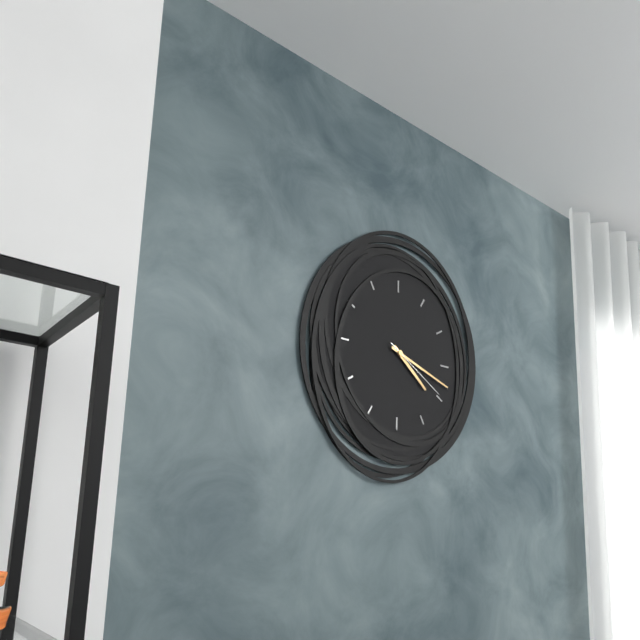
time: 4:18:20
